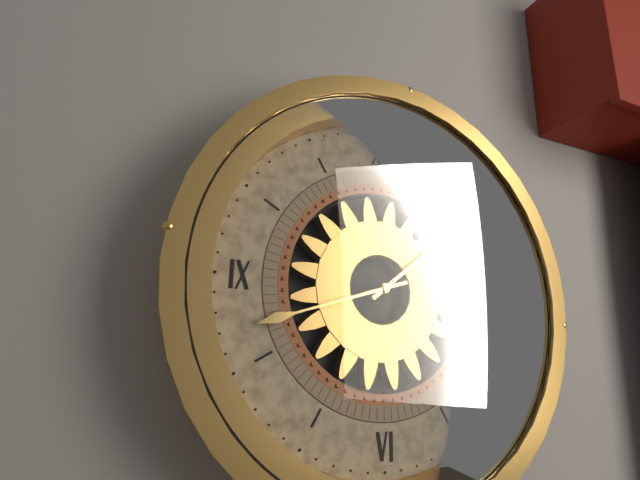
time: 1:42
